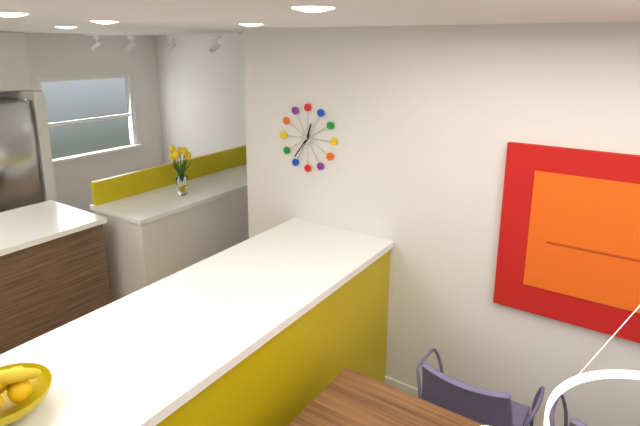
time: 12:36
